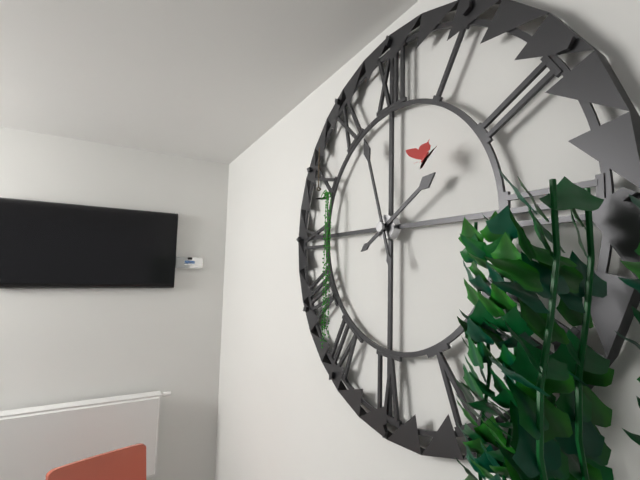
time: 1:57
